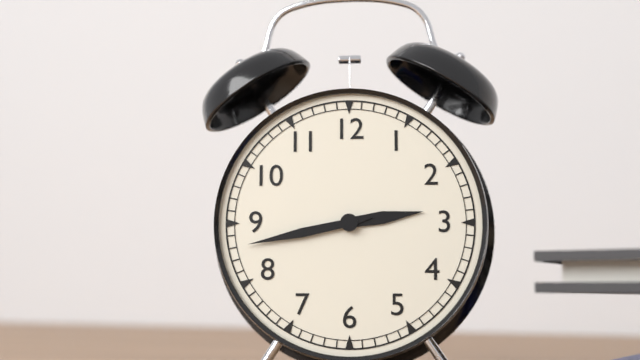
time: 2:43
